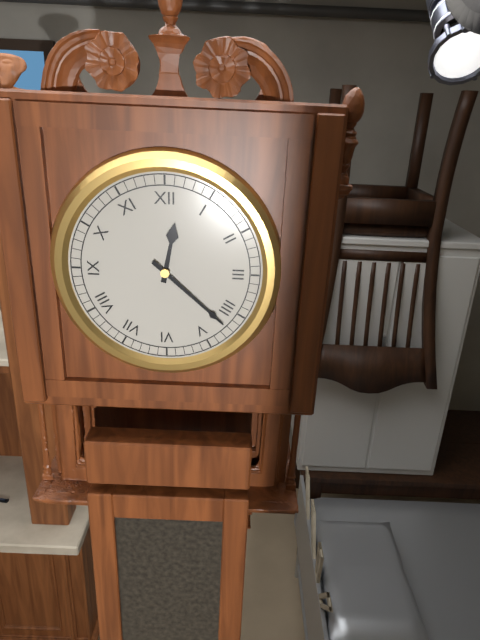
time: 12:22
